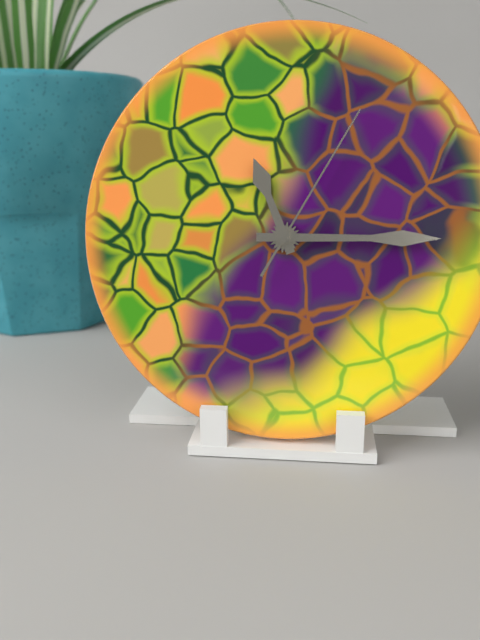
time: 11:15:05
